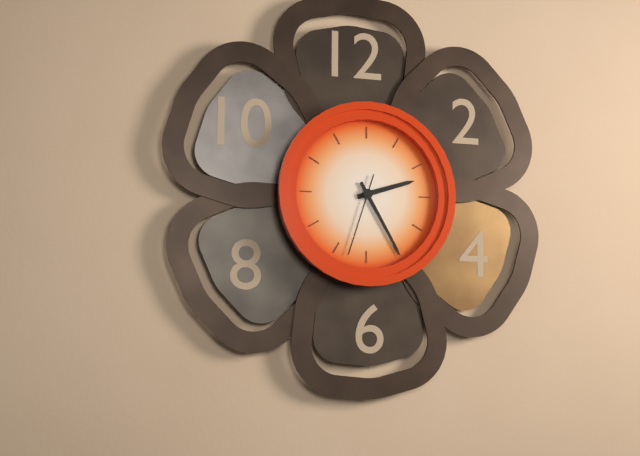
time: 2:25:33
